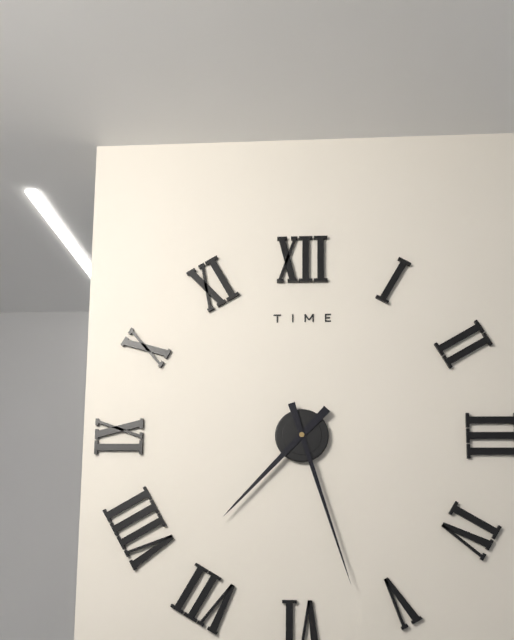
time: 7:27
